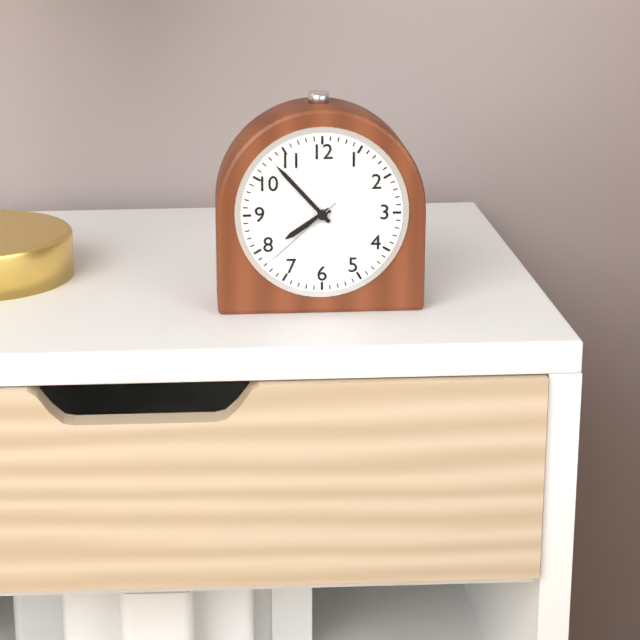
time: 7:53:38
